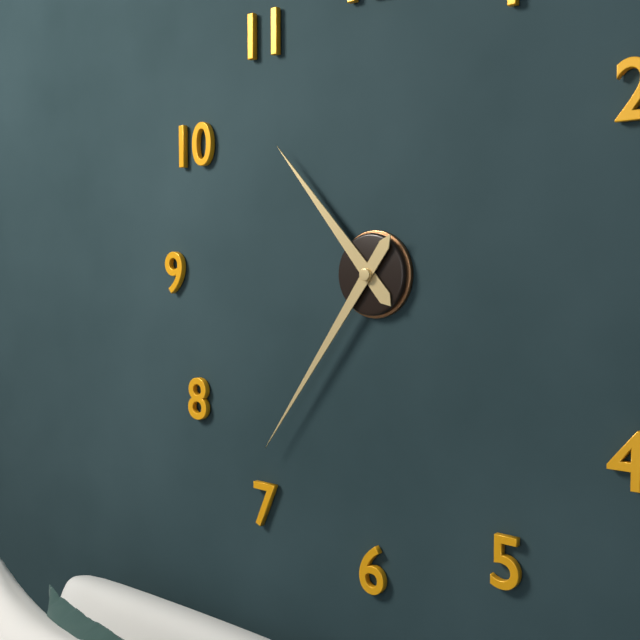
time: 10:36
